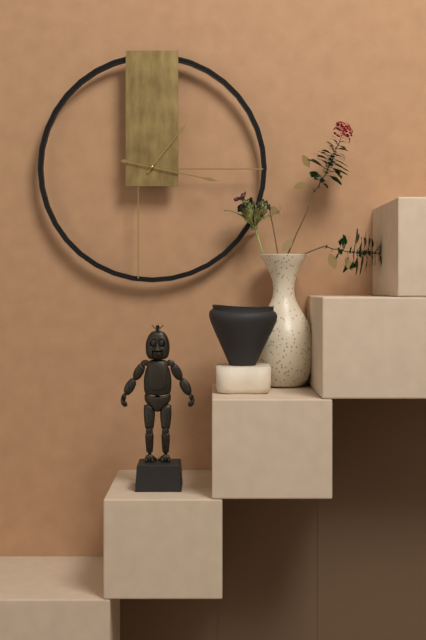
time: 1:17
